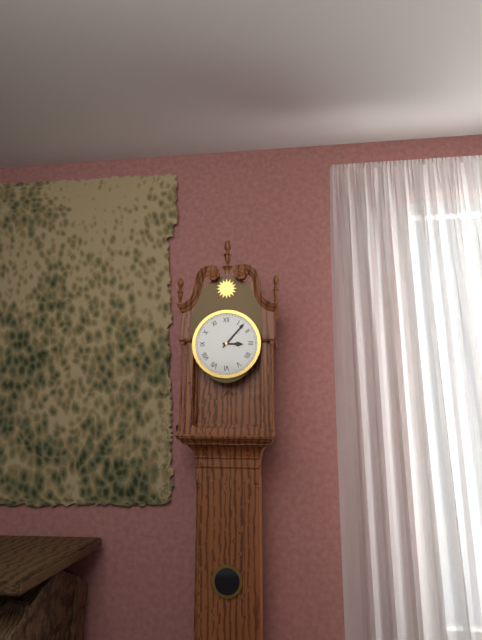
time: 3:07
